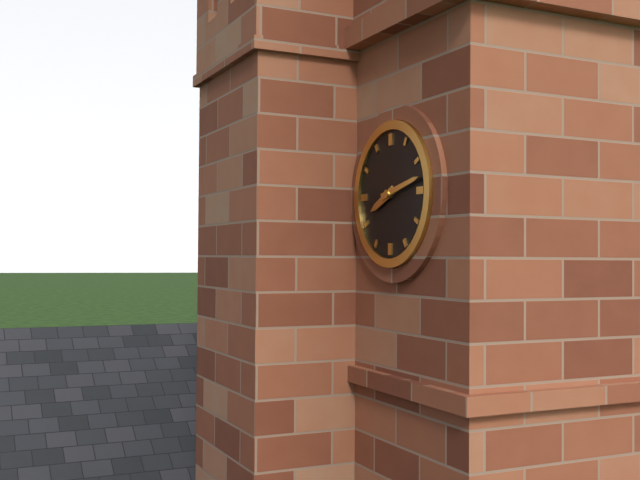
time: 8:13
